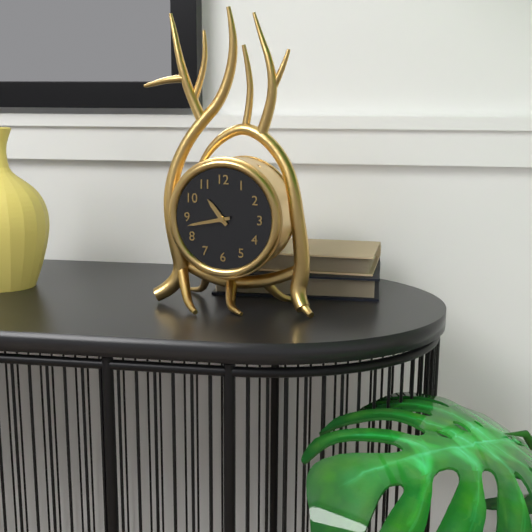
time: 10:43
